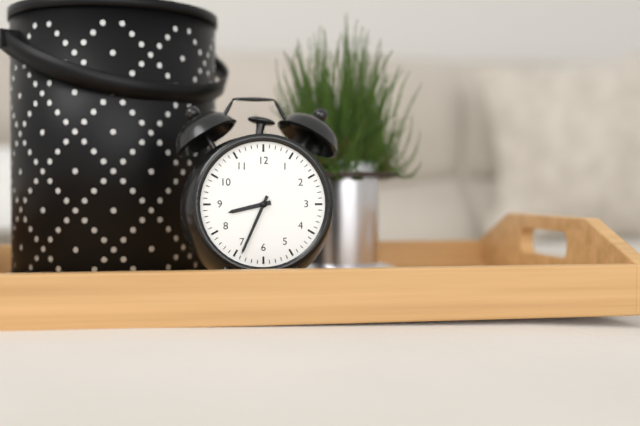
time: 8:34
